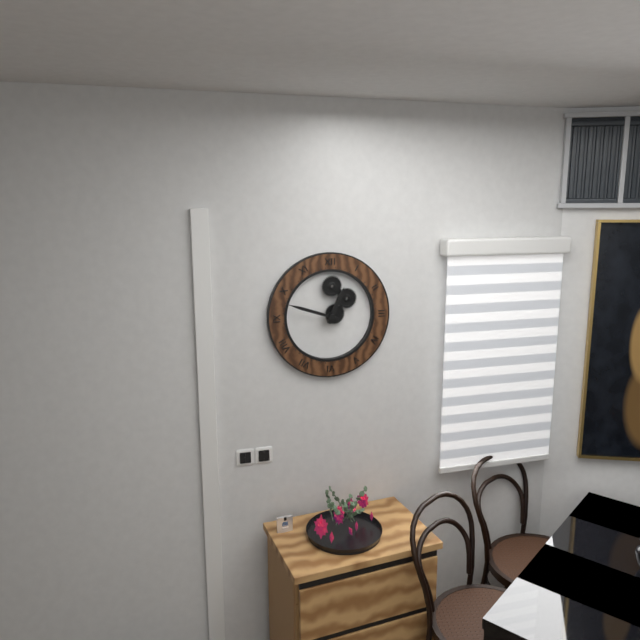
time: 12:48
